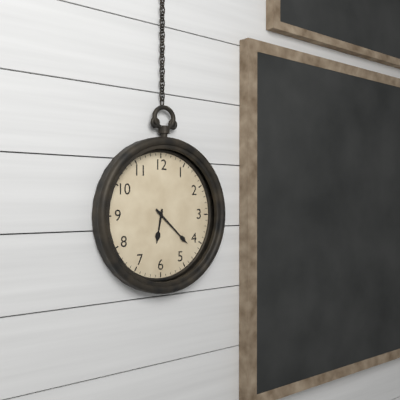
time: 6:22
